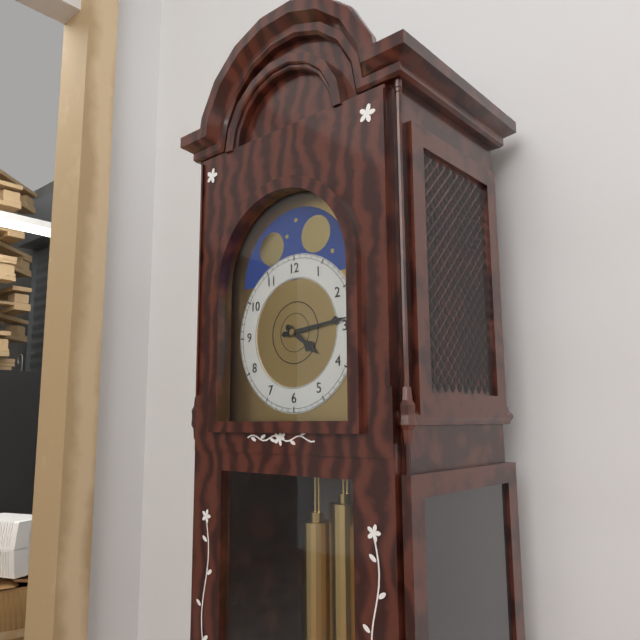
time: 4:14
